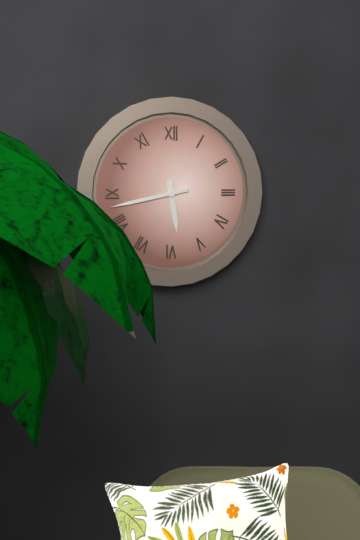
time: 5:43
